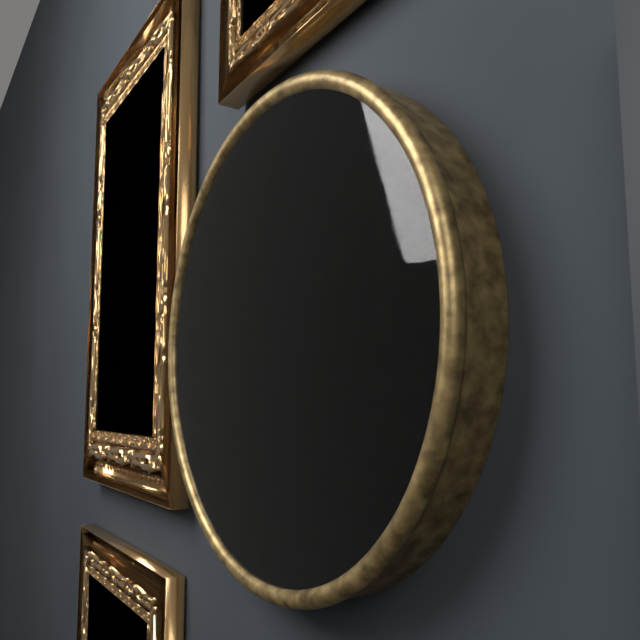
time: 12:28
